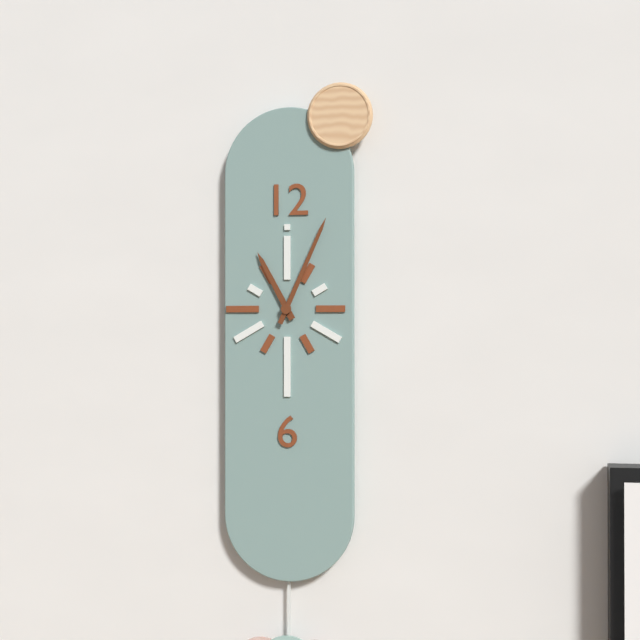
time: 11:04
